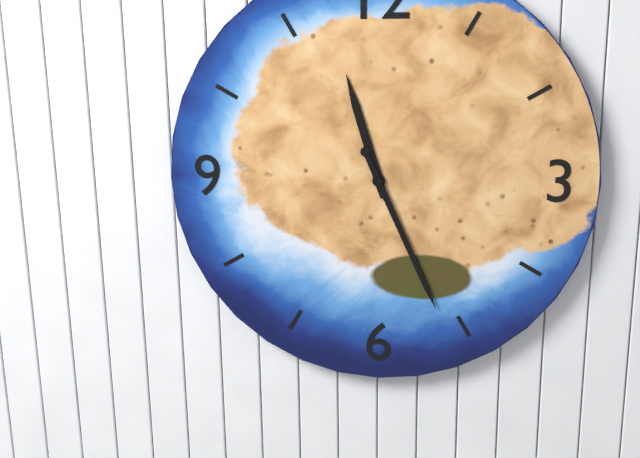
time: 11:26
